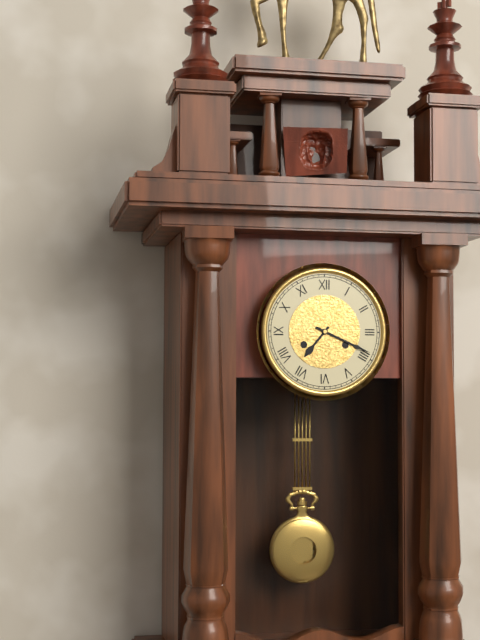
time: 7:19
